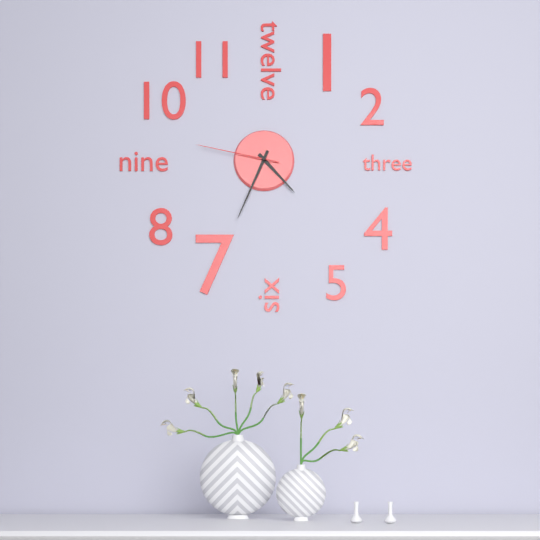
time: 4:34:47
